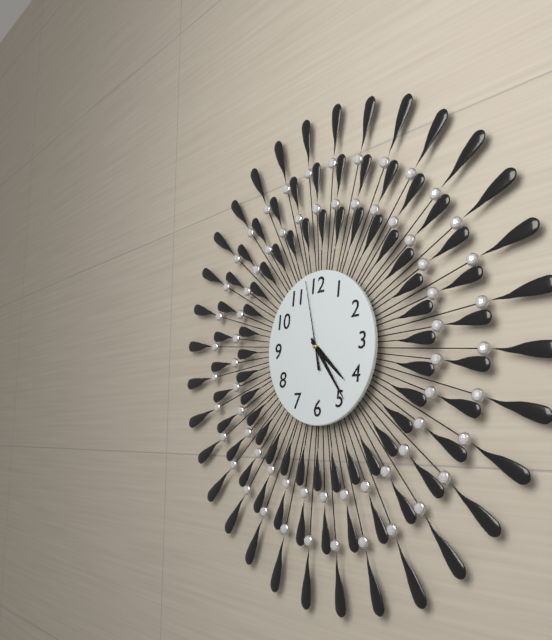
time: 4:24:58
